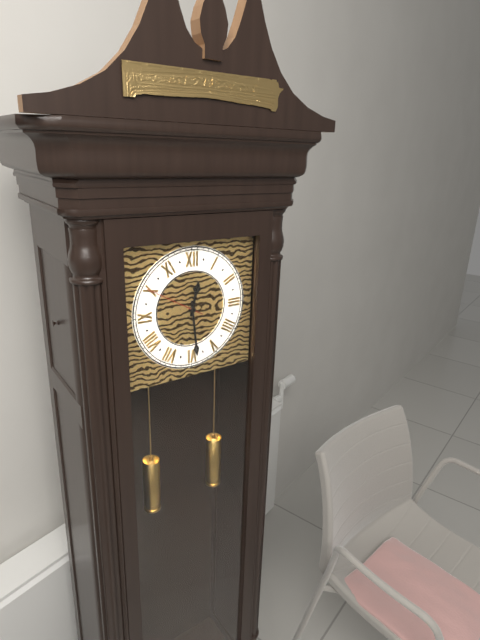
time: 12:29:50
